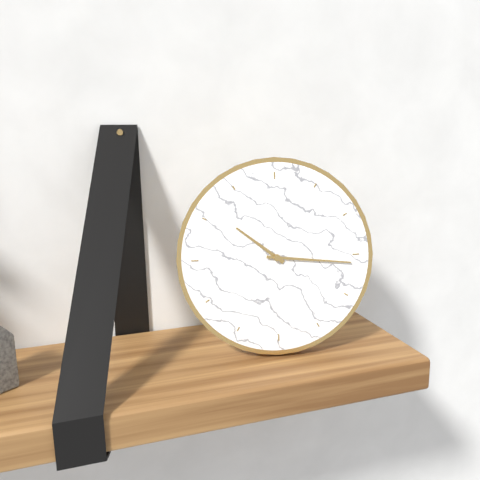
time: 10:16
